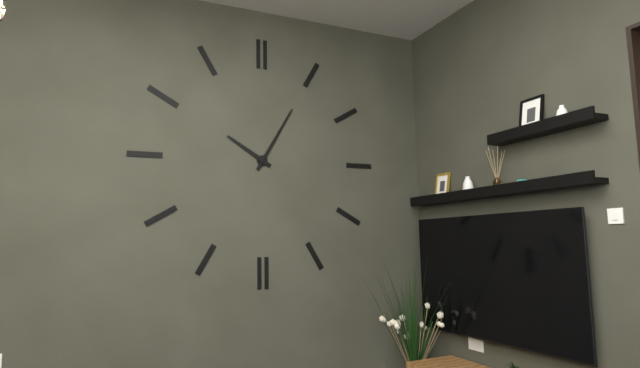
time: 10:05
